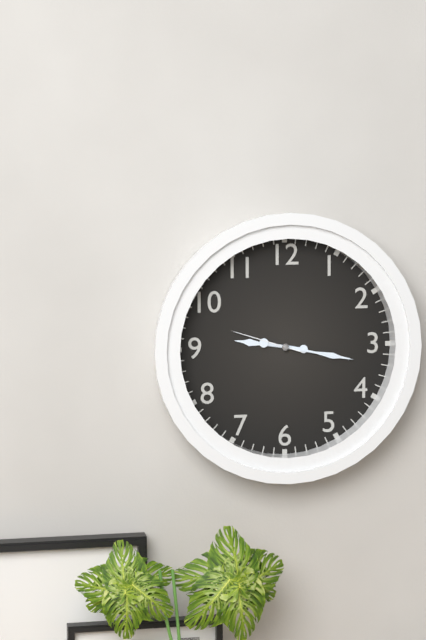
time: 9:17:48
